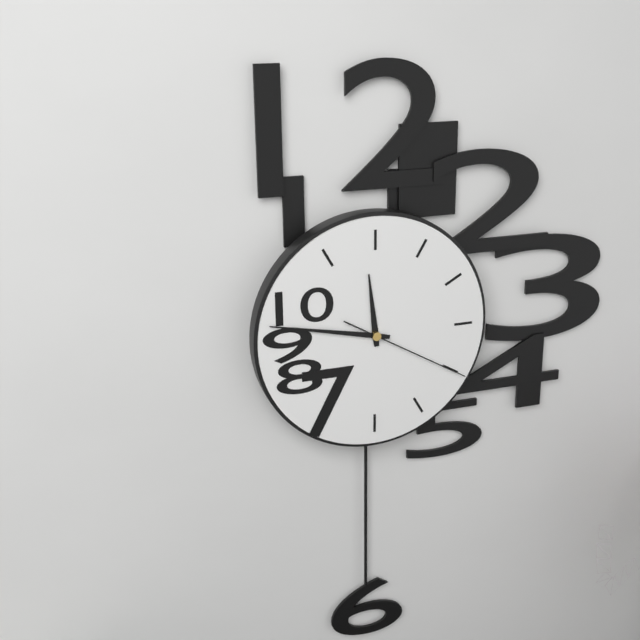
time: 11:47:20
